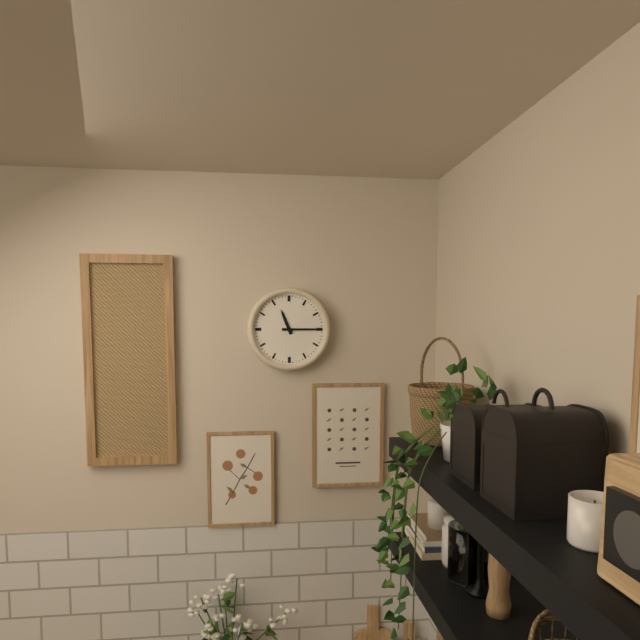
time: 11:15
